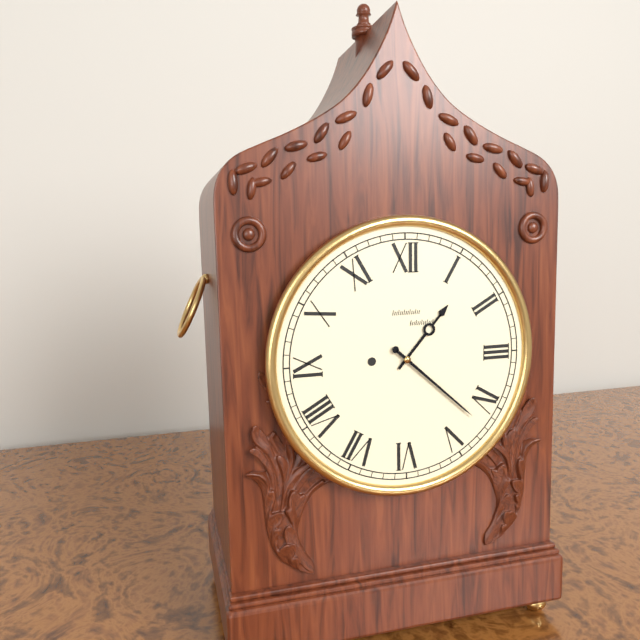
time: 1:22
